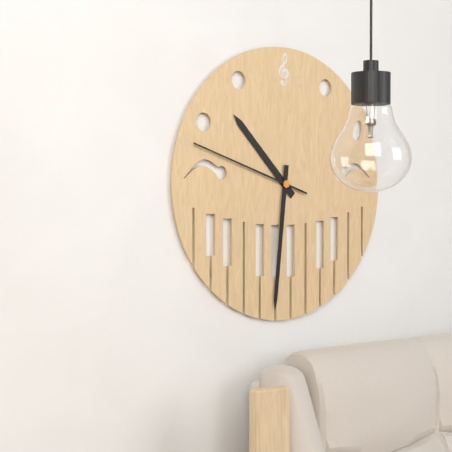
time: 10:31:48
